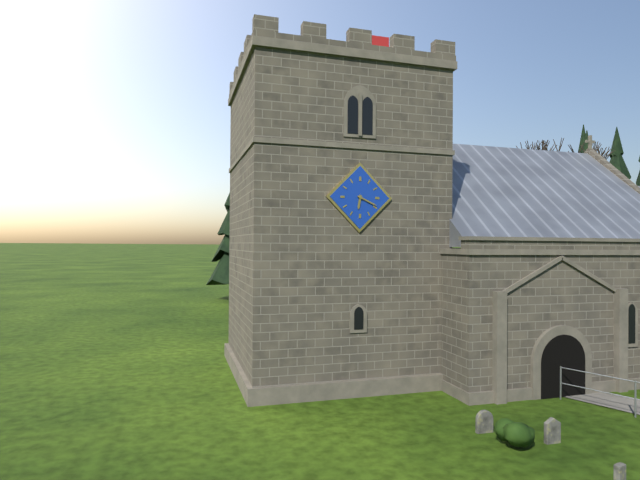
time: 6:19
